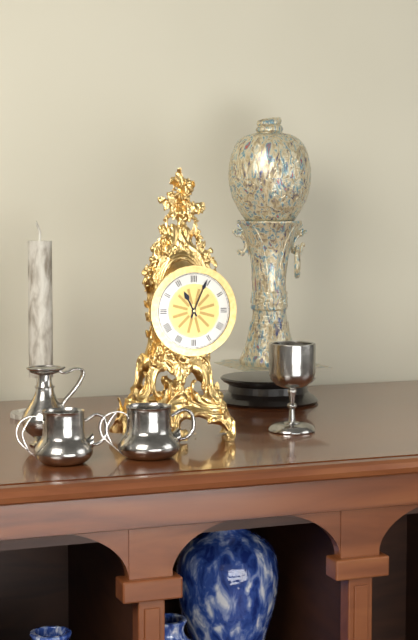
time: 11:04
